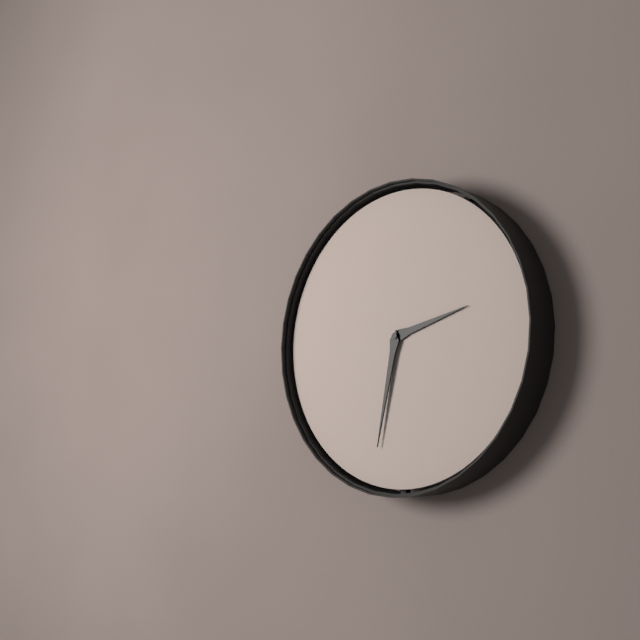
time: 2:32
